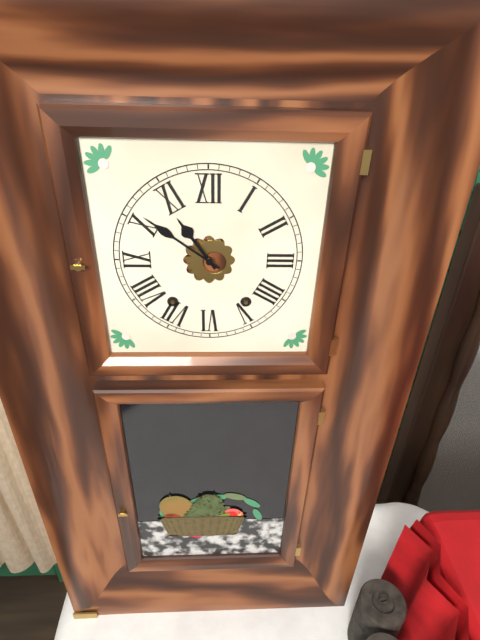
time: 10:51
